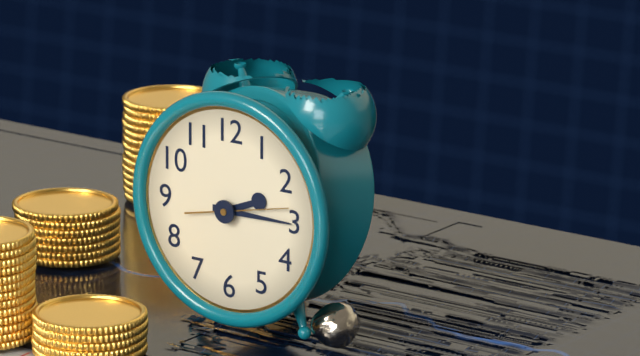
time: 2:15:13
